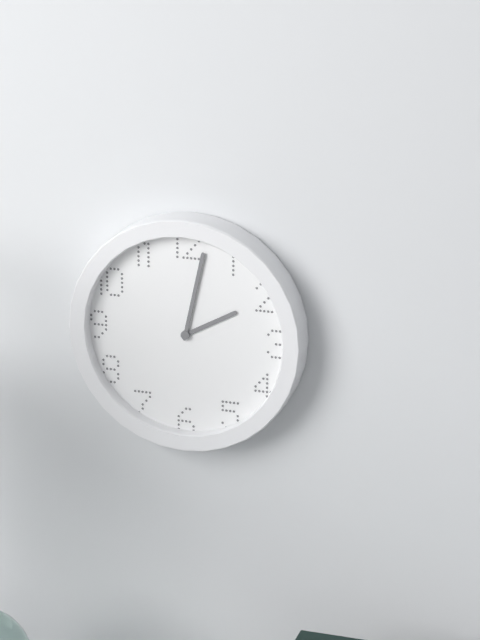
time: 2:02
